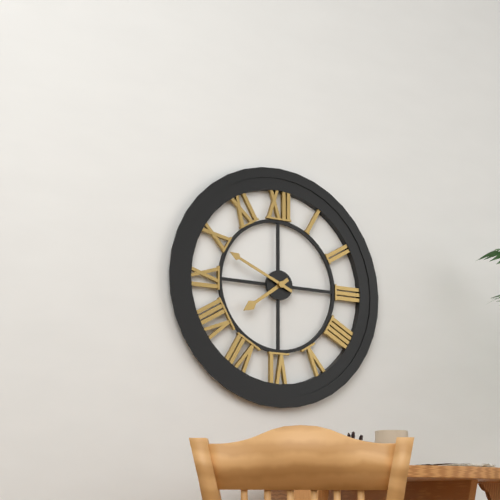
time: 7:49
